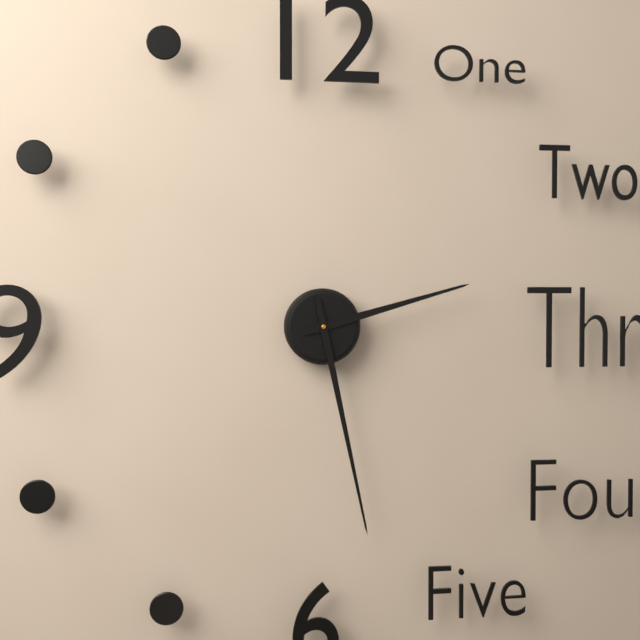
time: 2:28
